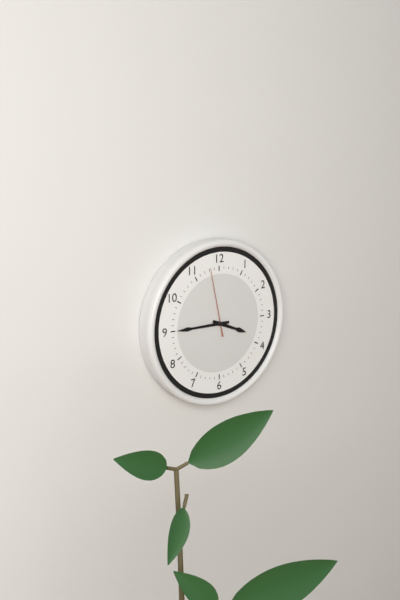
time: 3:45:58
